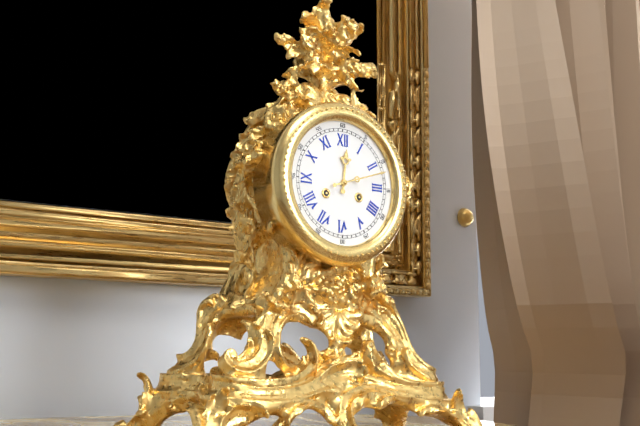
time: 12:12
